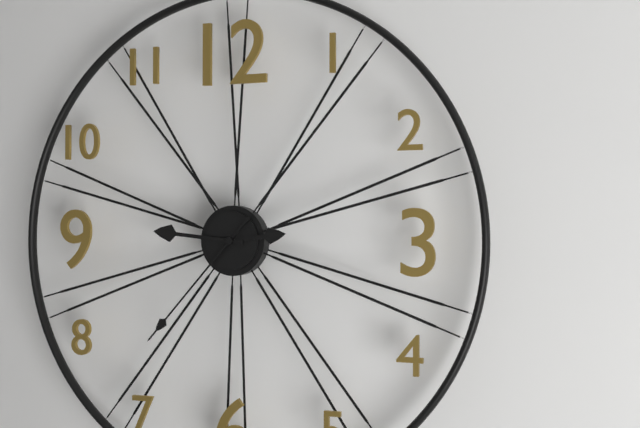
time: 2:46:37
